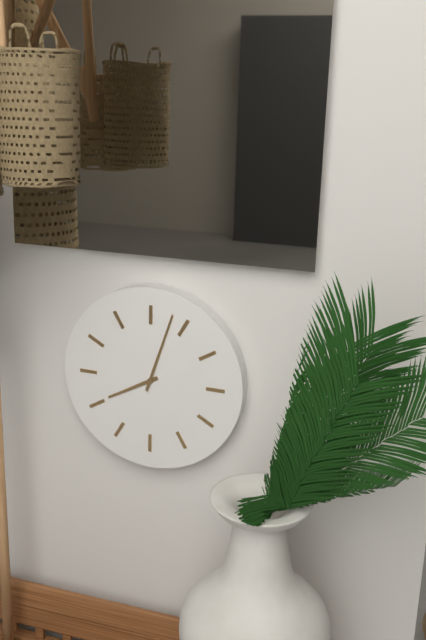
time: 8:03
